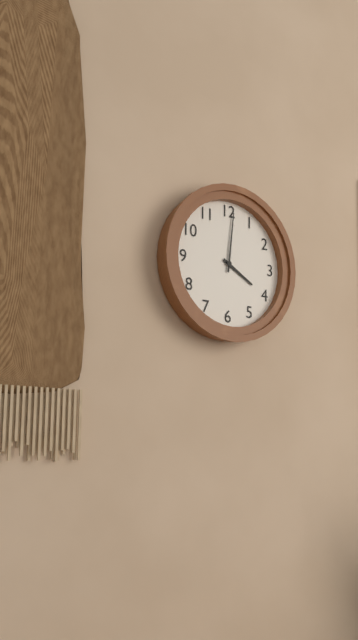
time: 4:01
